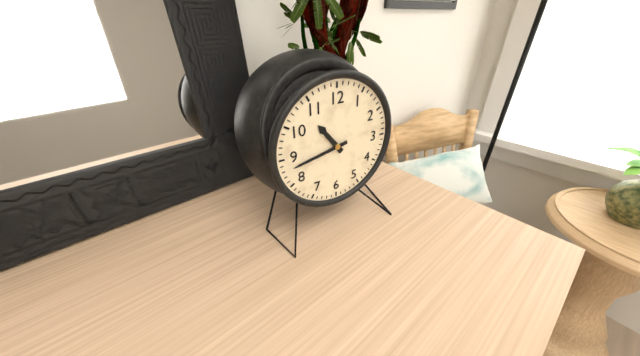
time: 10:43
